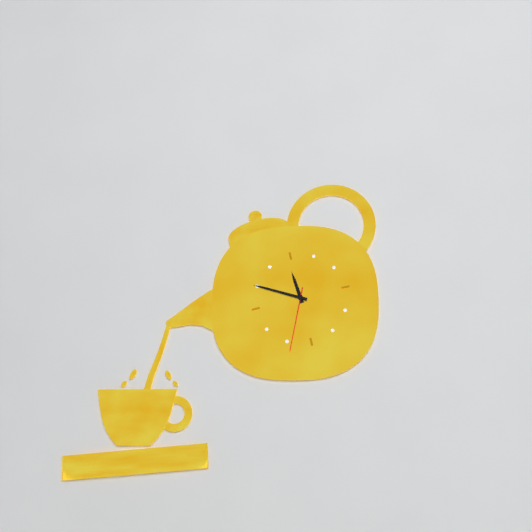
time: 11:50:34
